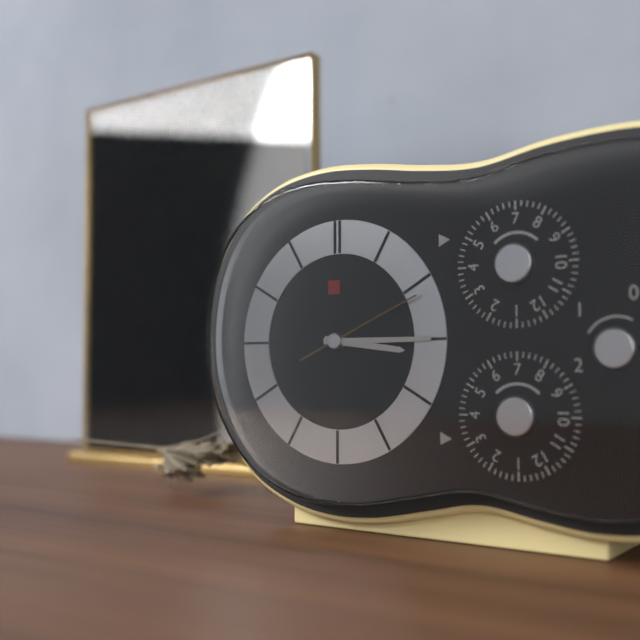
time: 3:15:11
